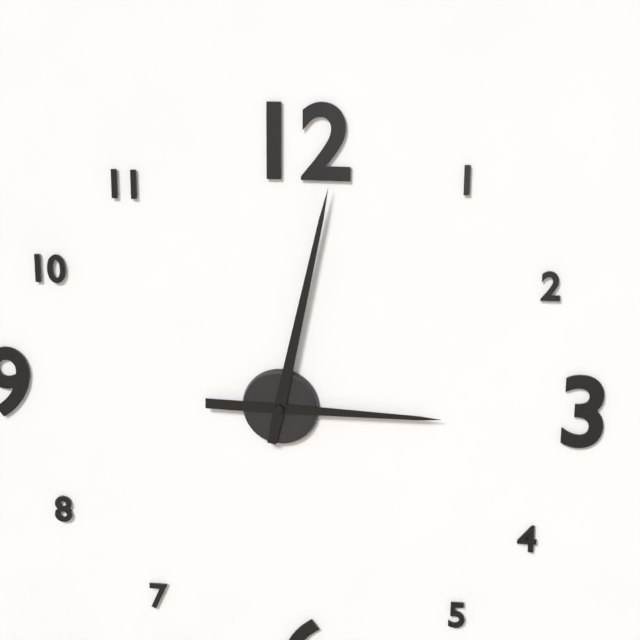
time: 3:02
